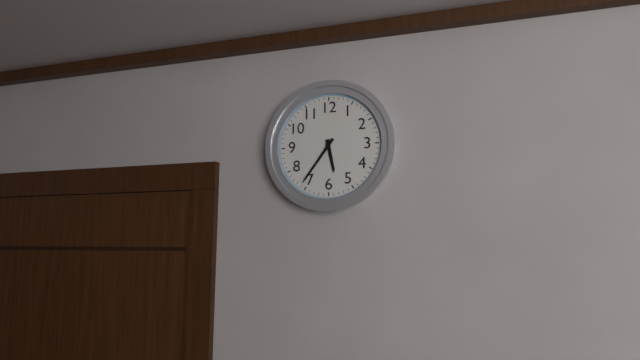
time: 5:36
